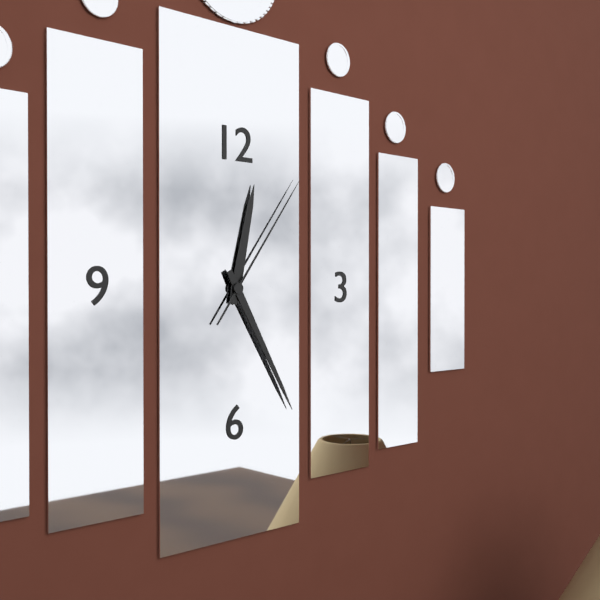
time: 12:25:06
